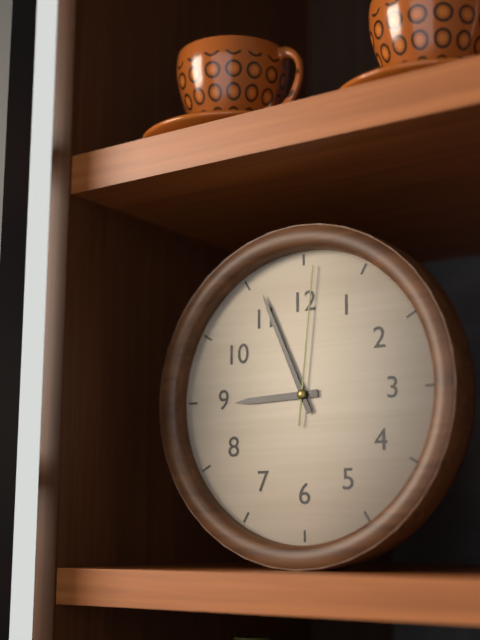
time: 8:56:01
